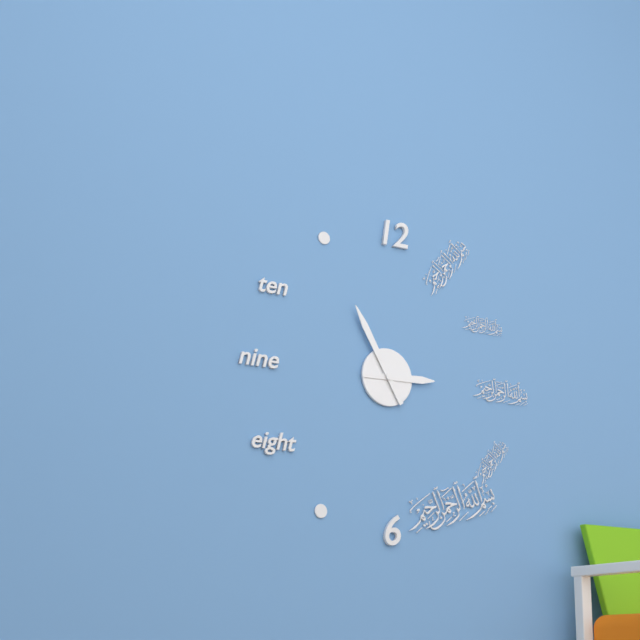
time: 2:55
